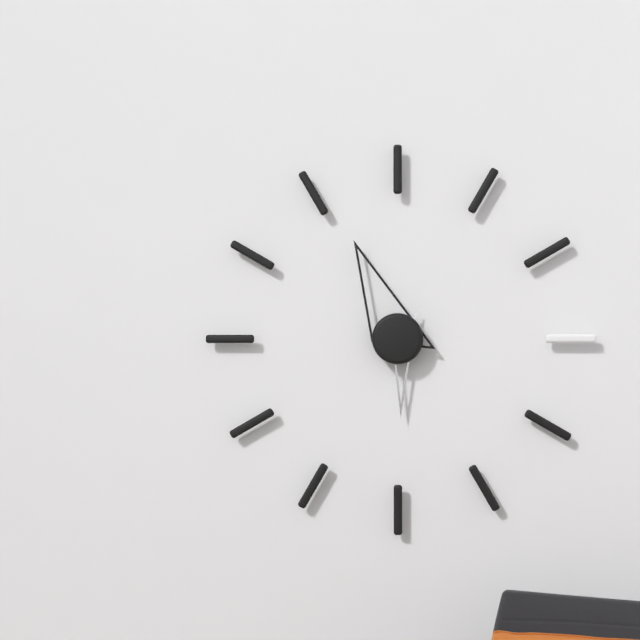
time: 5:56
